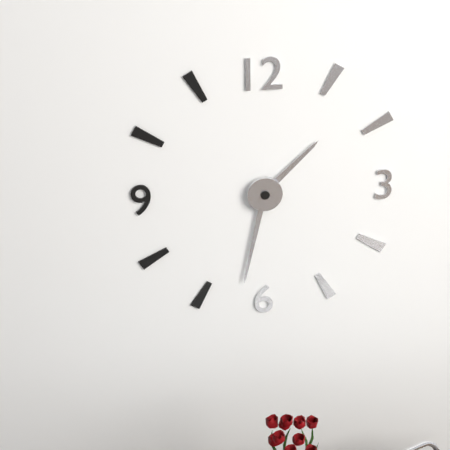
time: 1:32
